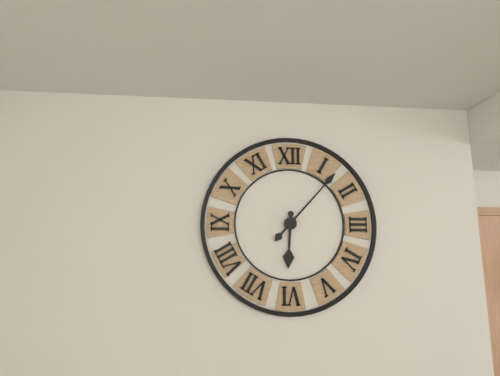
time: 6:07
